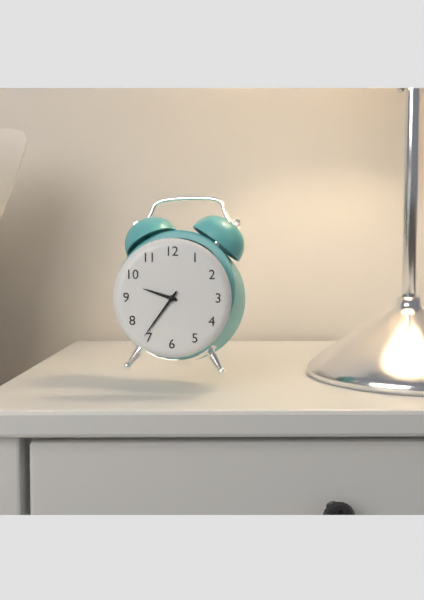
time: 9:36
